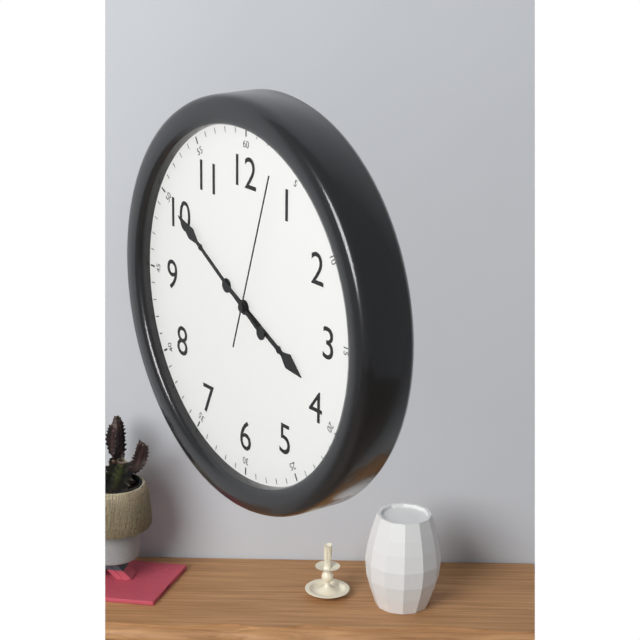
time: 3:50:03
